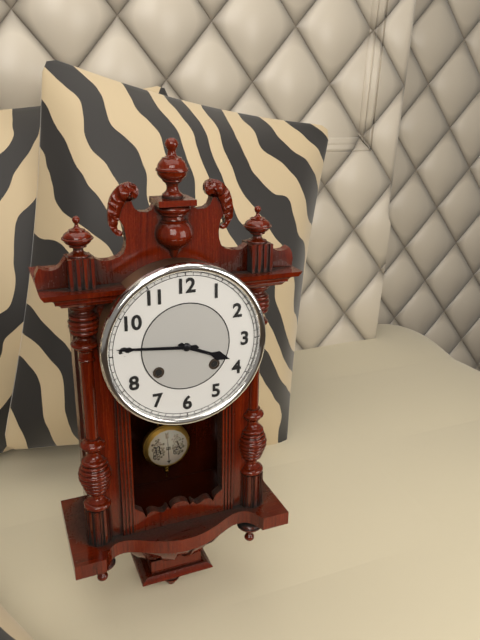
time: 3:46
